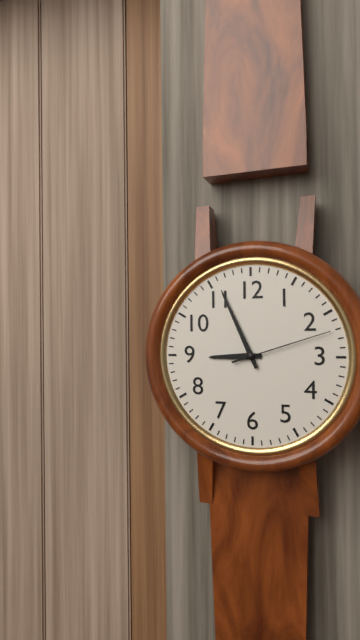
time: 8:56:12
